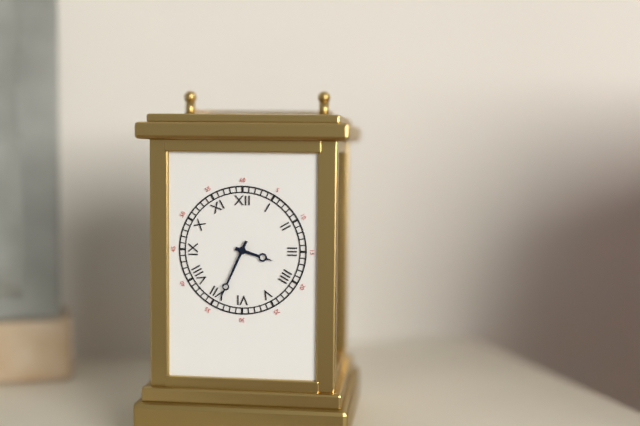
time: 3:34
